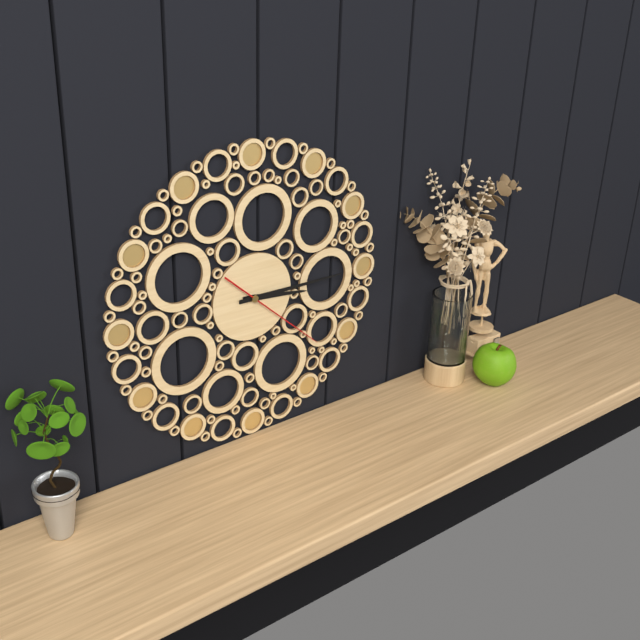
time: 3:15:22
